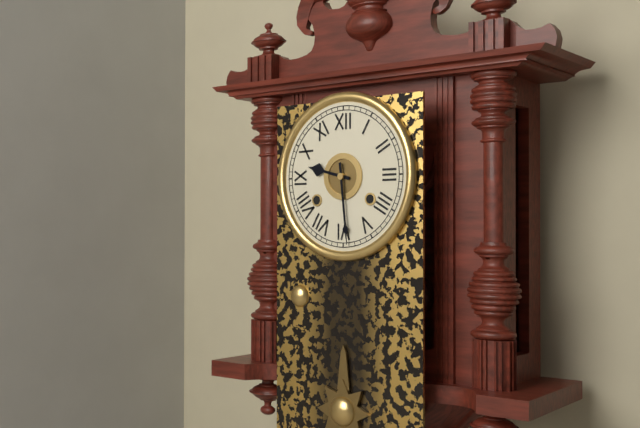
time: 9:29
